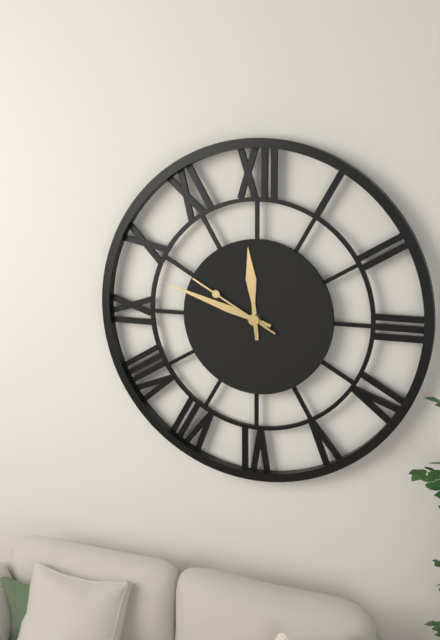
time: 11:48:50
